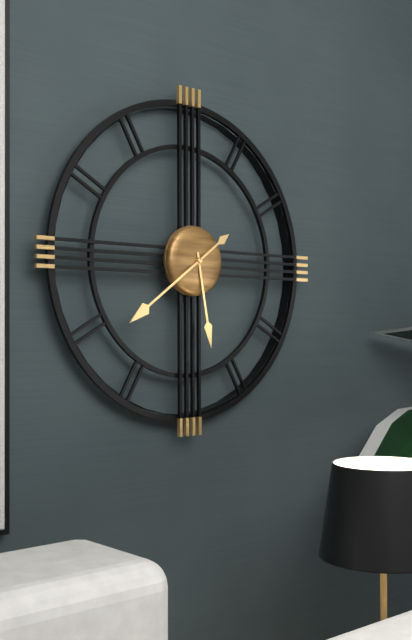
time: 5:39
